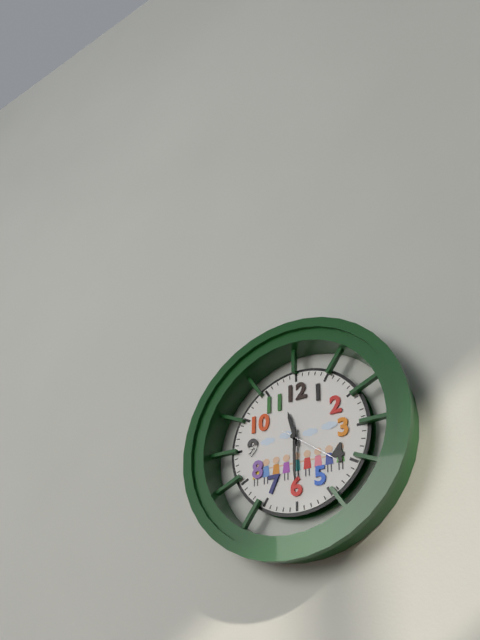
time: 11:30:21
